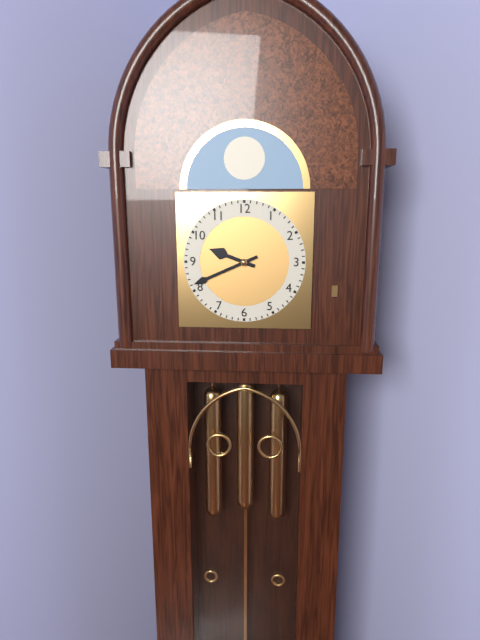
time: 9:41
